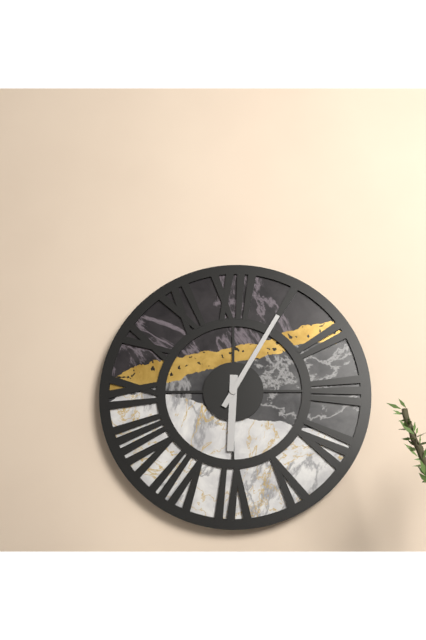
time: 6:05
